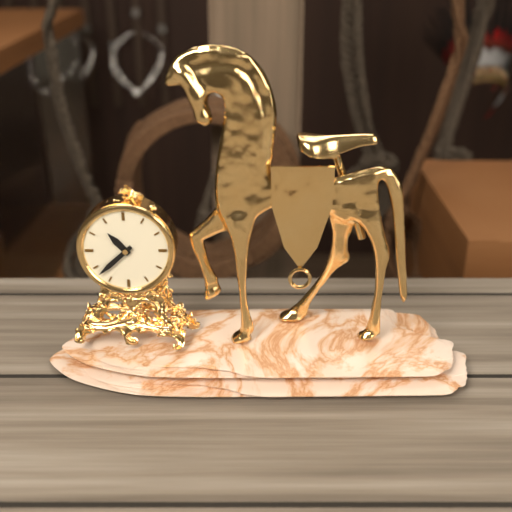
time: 10:38
